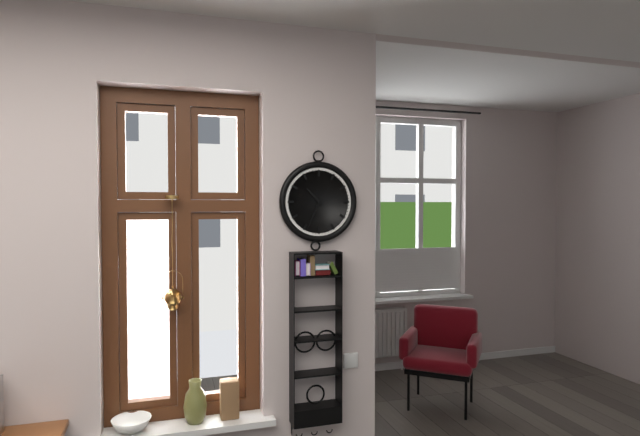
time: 10:34
